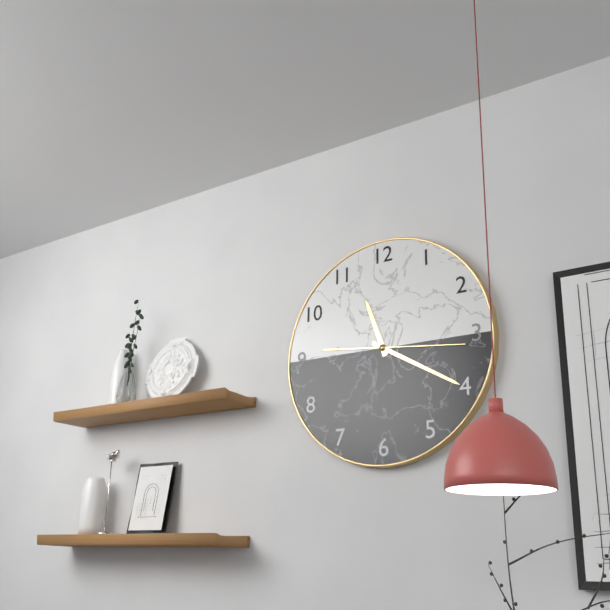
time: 11:20:16
